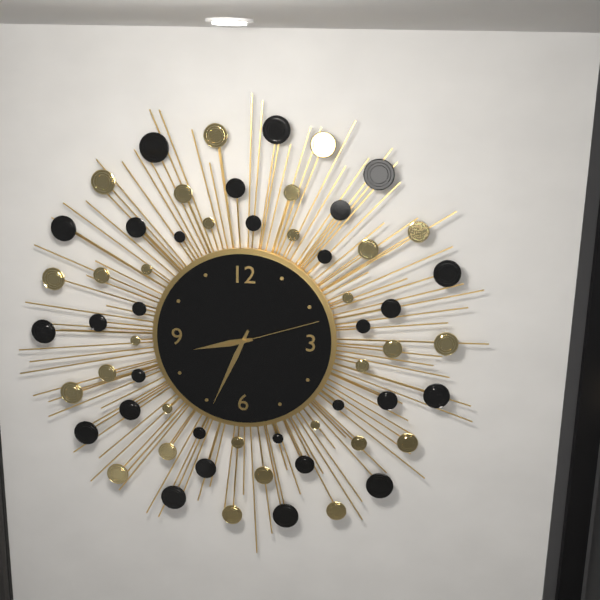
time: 8:34:12
